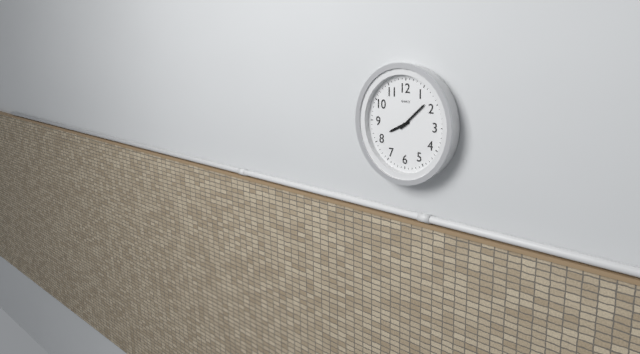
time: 8:08
